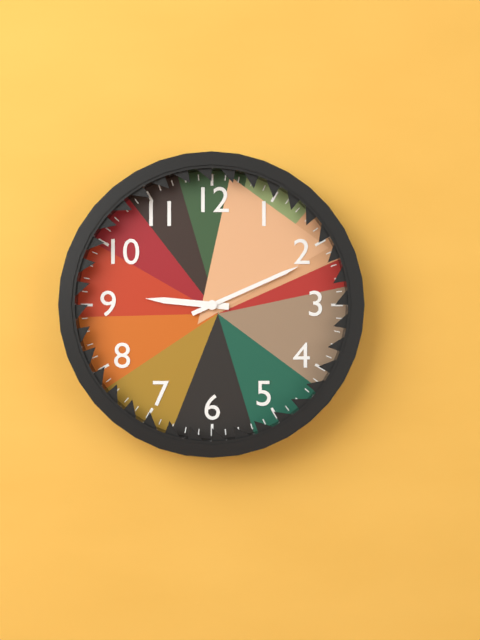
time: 9:11
